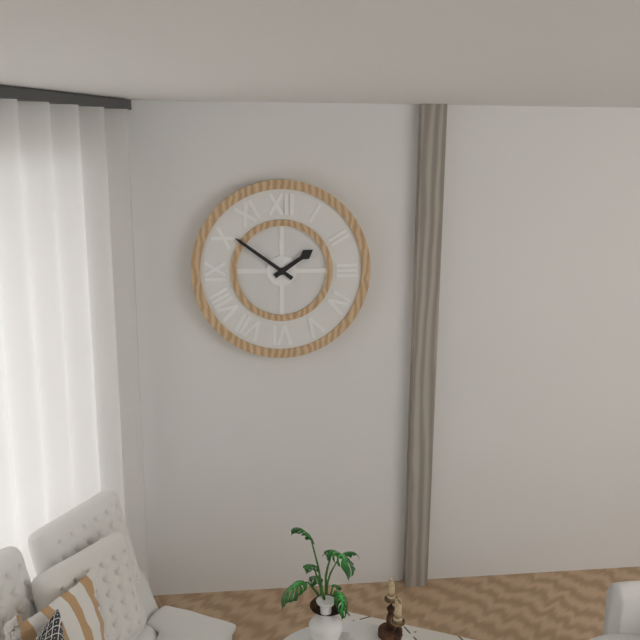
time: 1:51
